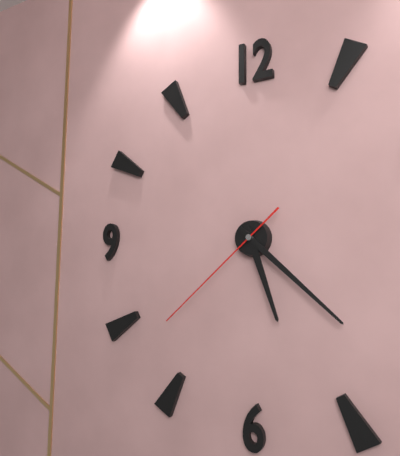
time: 5:22:38
